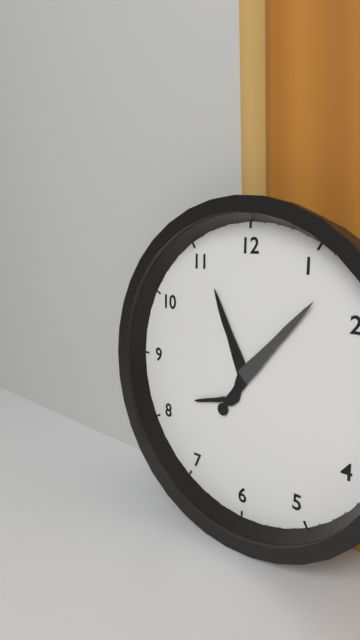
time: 11:07
